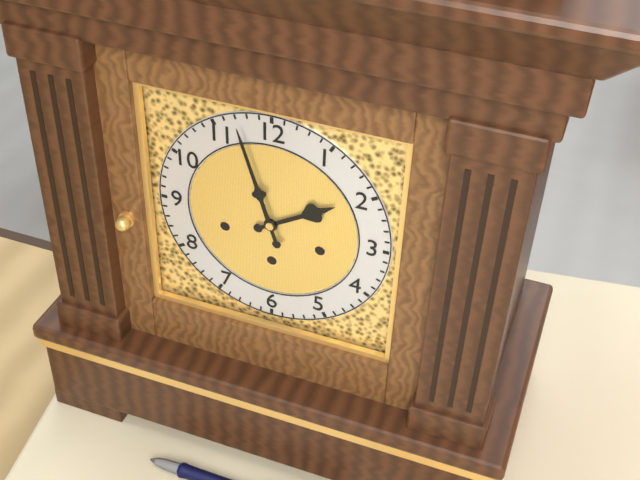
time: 1:57
